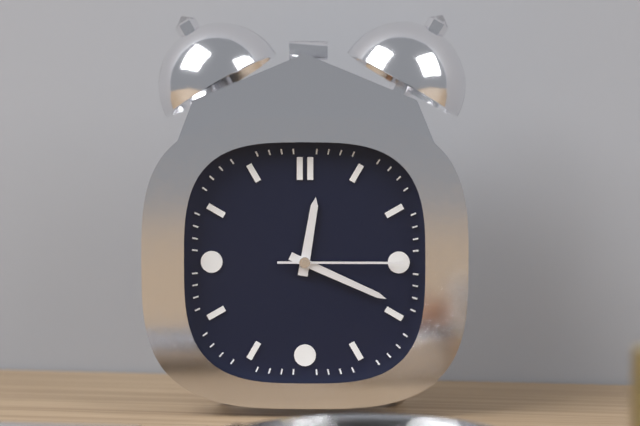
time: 12:19:15
